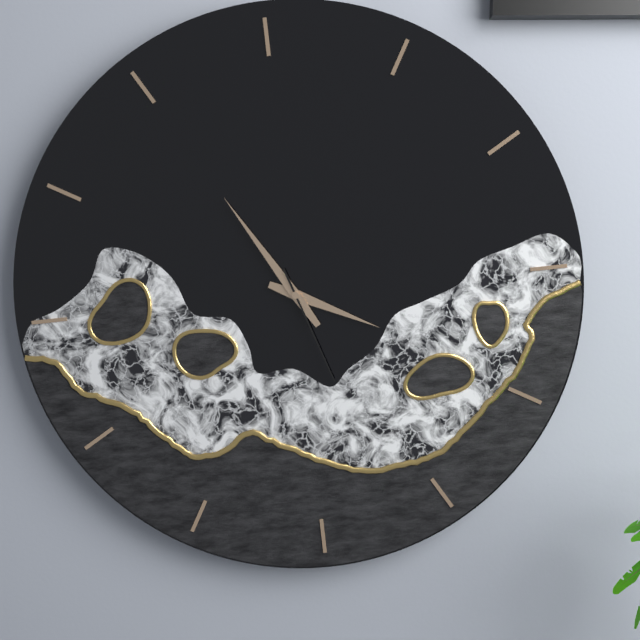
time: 3:55:27
